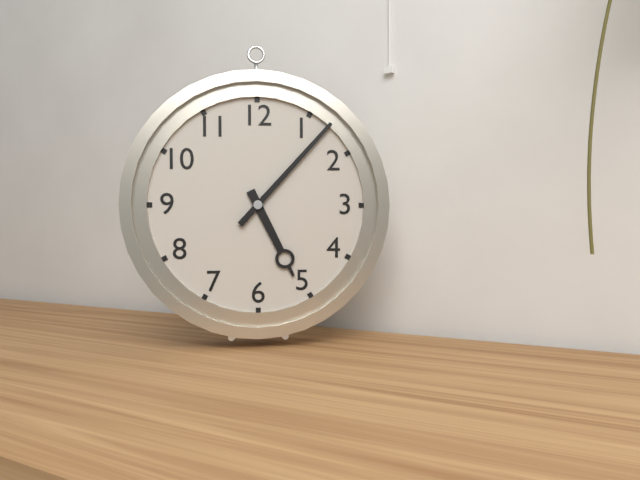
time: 5:07
